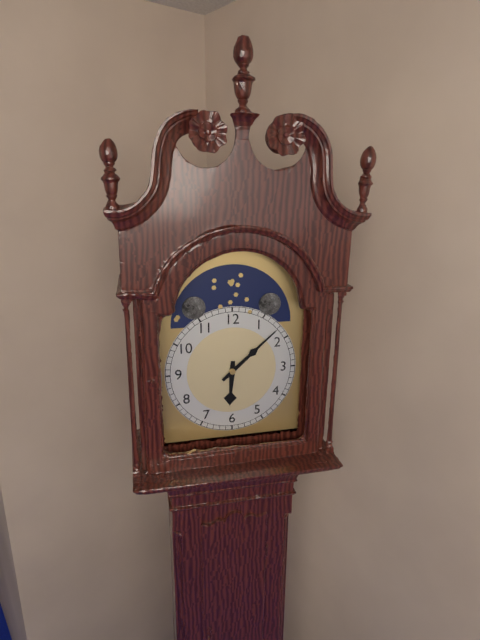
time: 6:08
